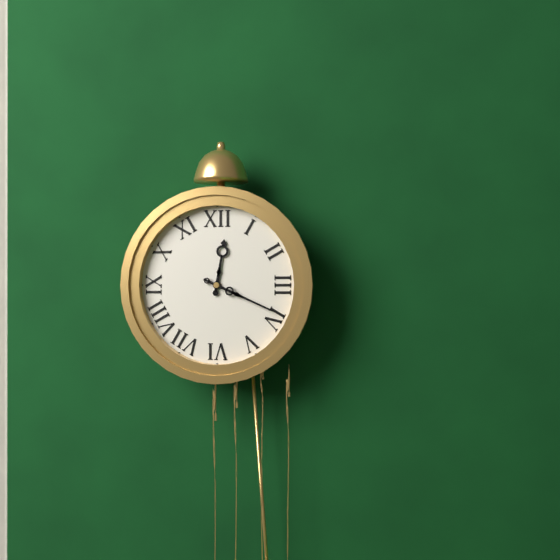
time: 12:19
